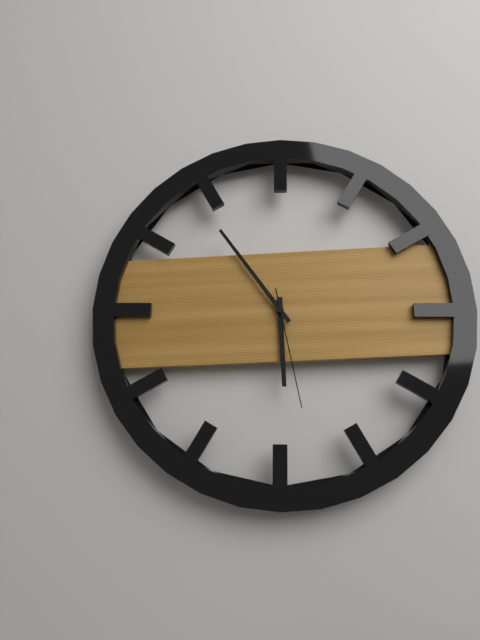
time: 5:54:28
